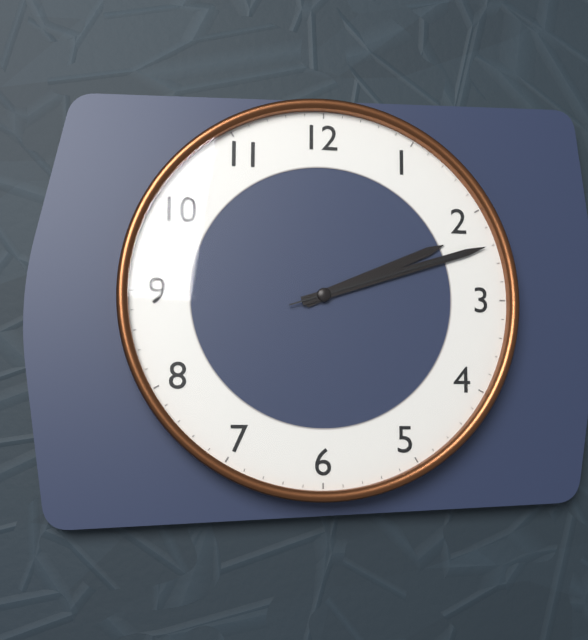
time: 2:12:12
